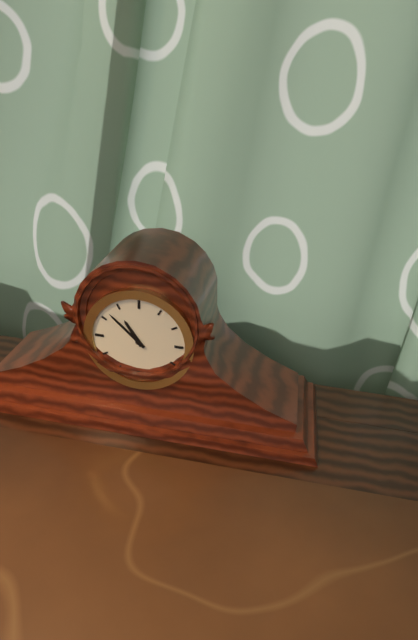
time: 10:52
